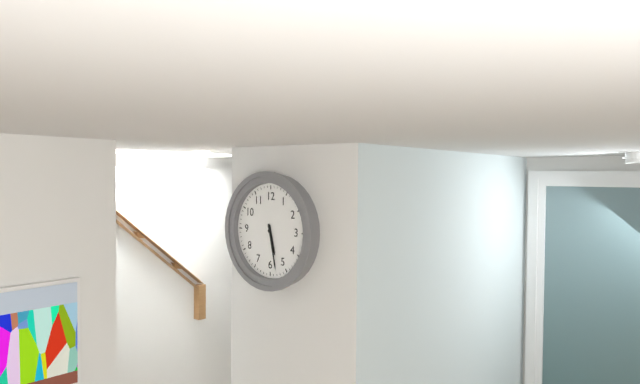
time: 5:28
